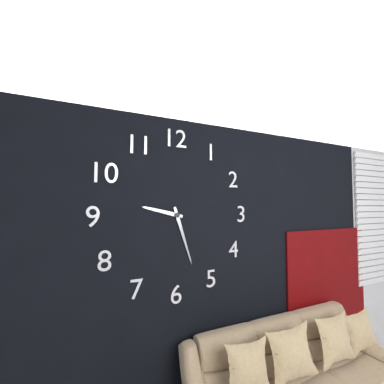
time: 9:27
